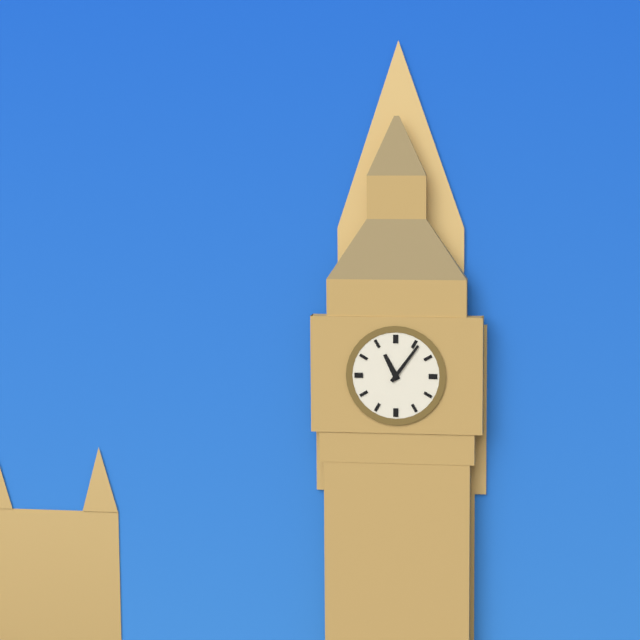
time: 11:06
